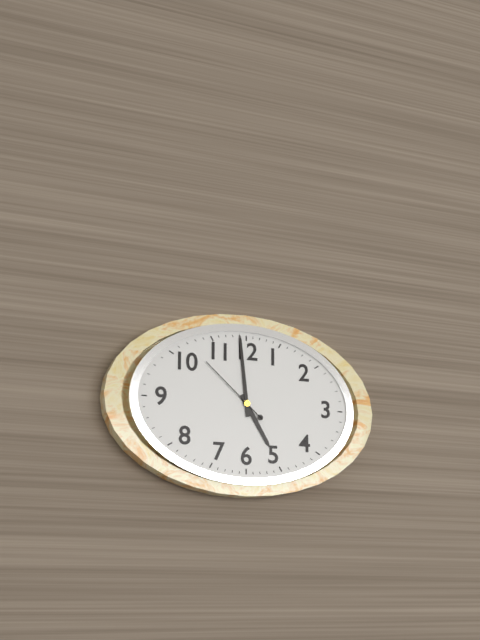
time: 4:59:52
